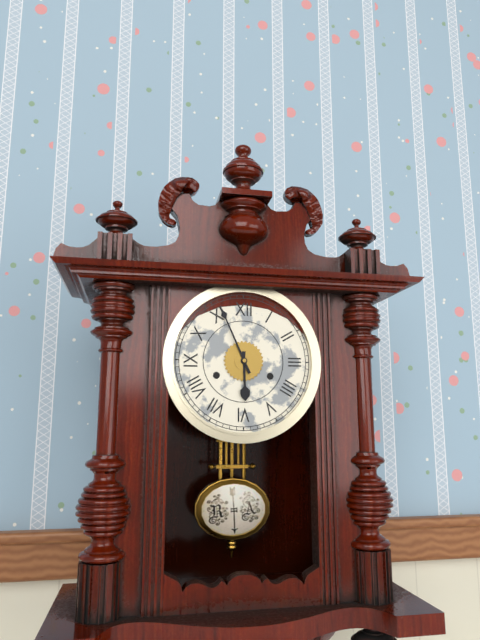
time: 5:56
